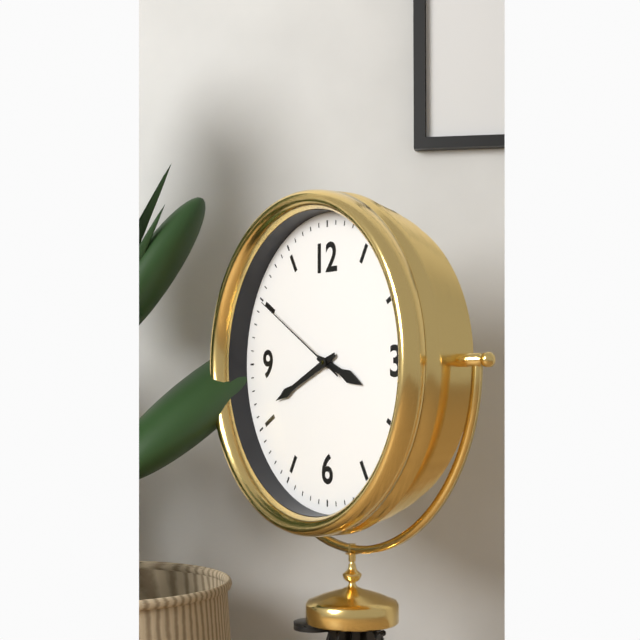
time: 3:41:50
